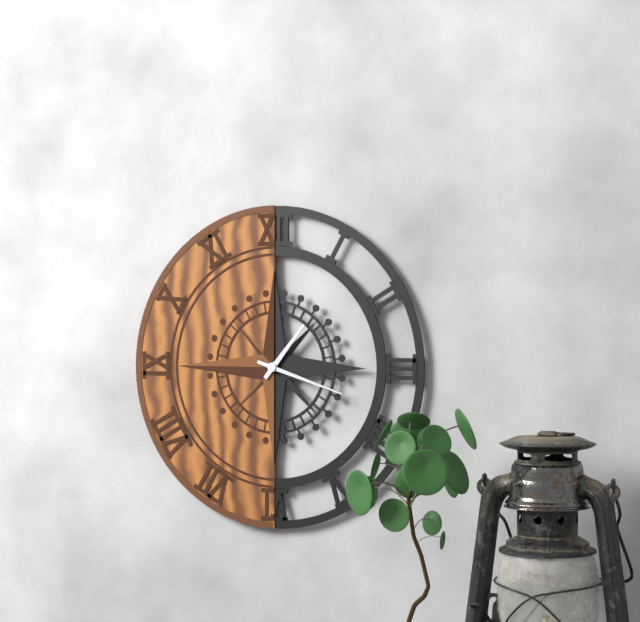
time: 1:18
